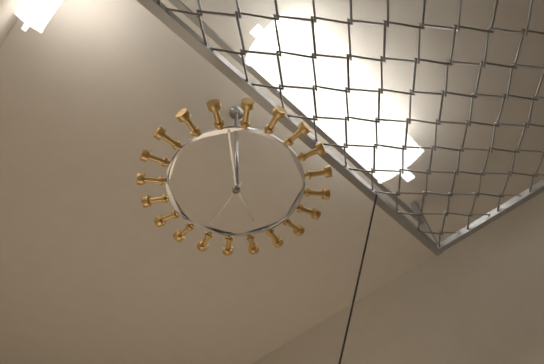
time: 3:52:28
